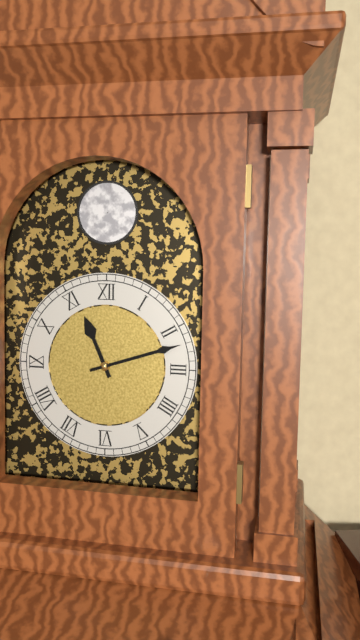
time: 11:12
